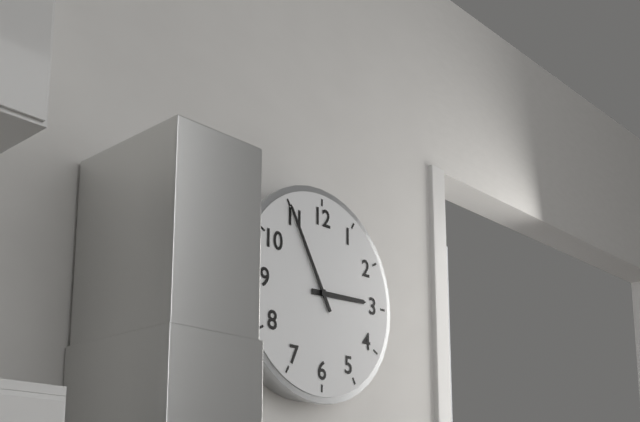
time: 2:55
